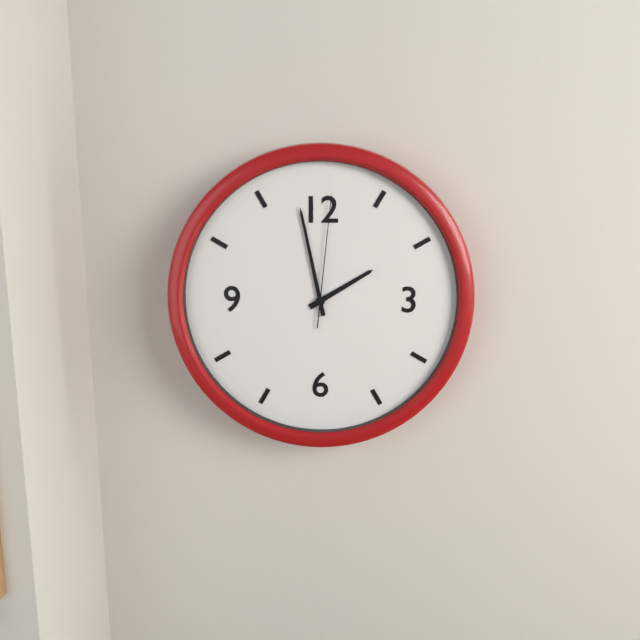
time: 1:58:01
